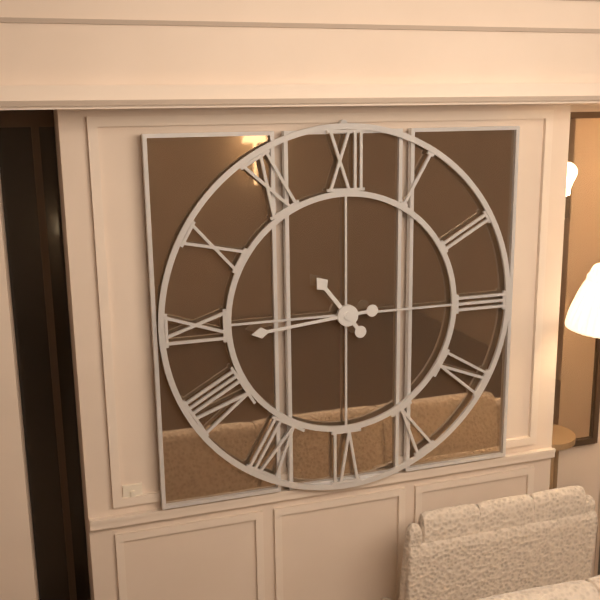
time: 10:44
